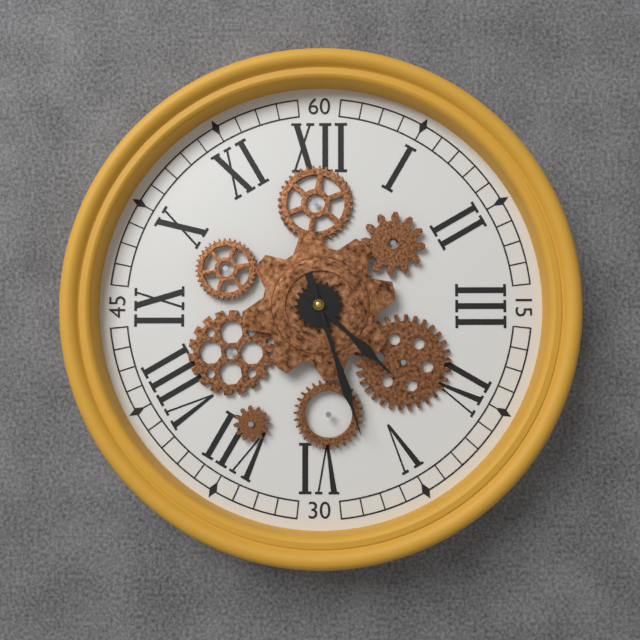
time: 4:27
